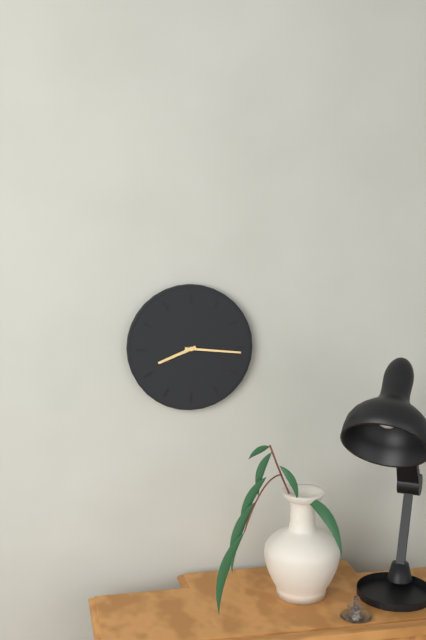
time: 8:16
